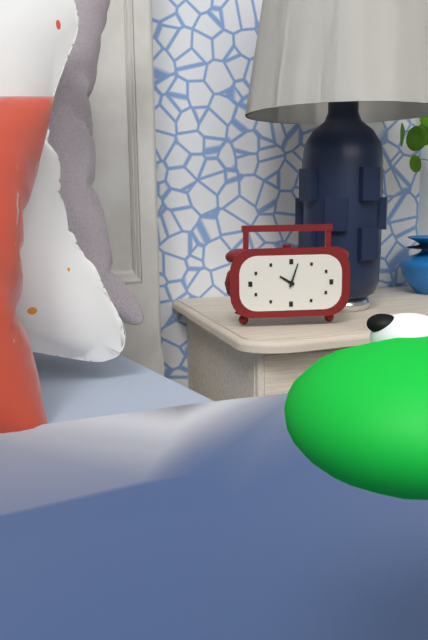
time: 10:03
